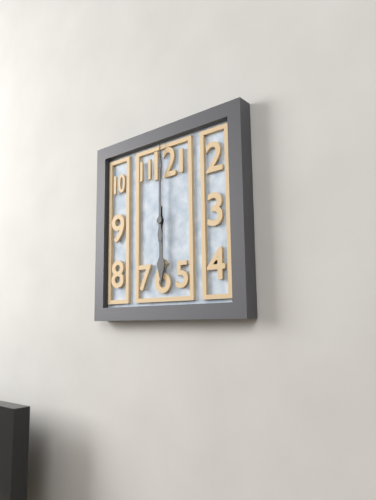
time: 6:00
